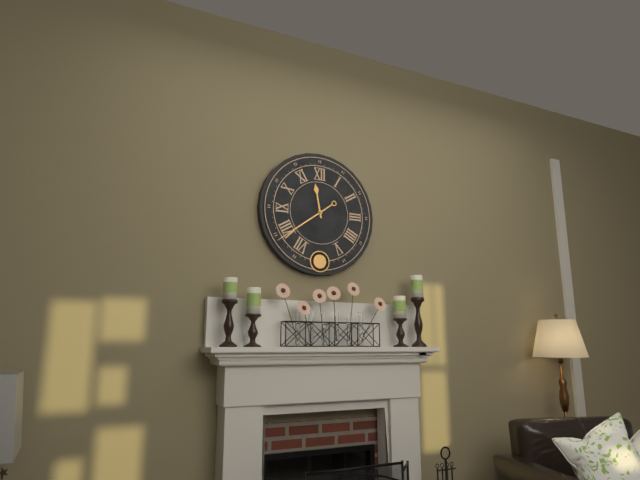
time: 11:39
